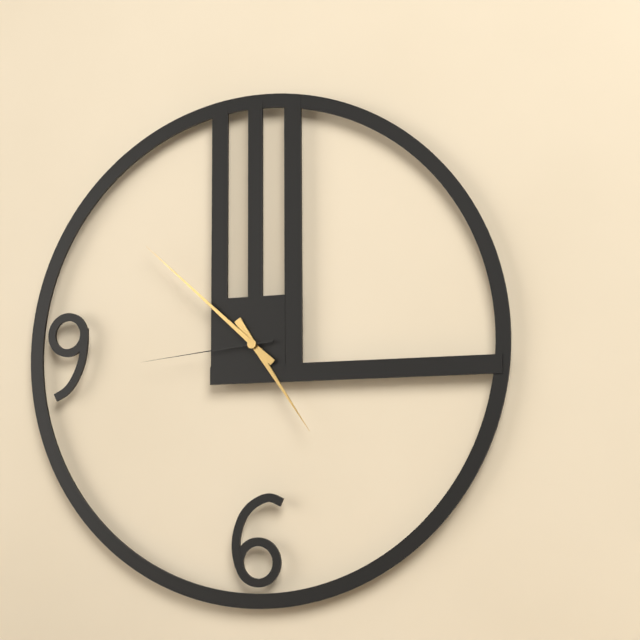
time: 4:52:44
